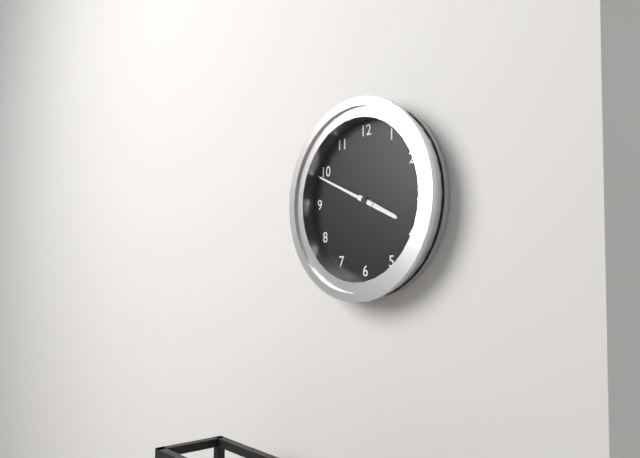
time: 3:49
